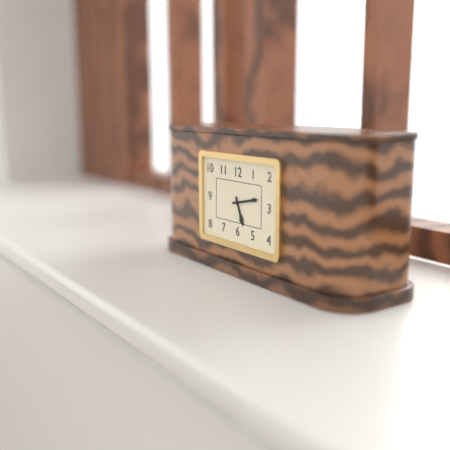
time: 5:13
